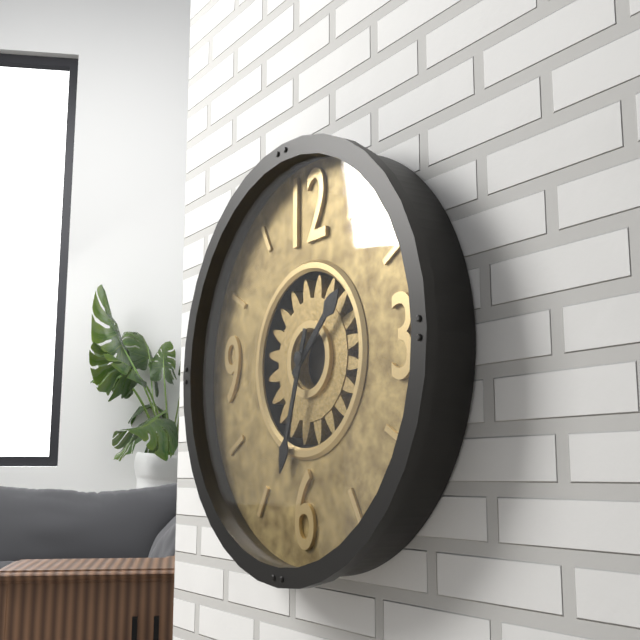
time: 1:33
